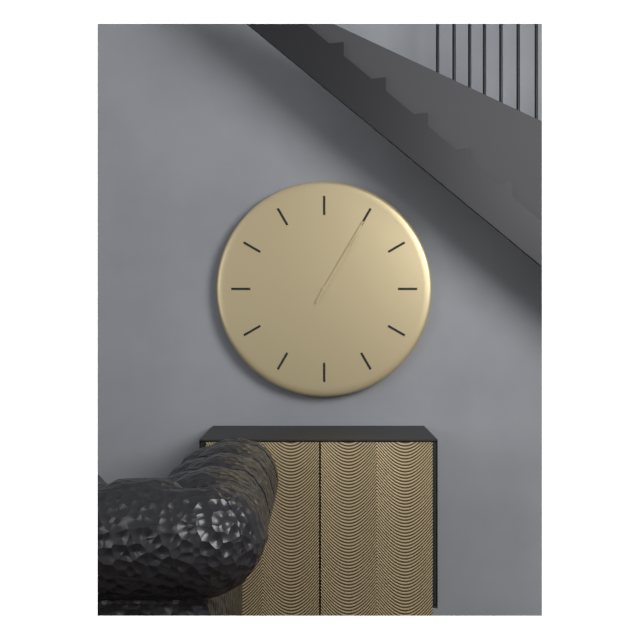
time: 1:05
